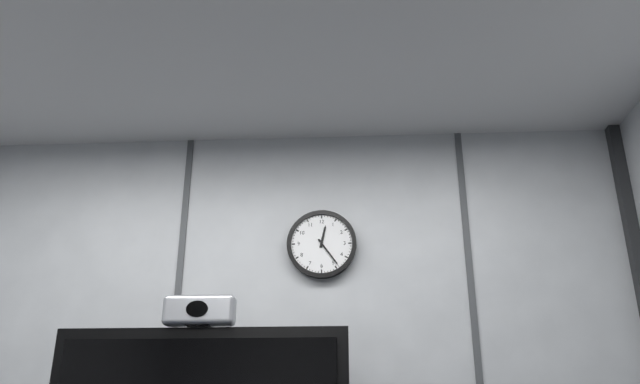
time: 12:24
